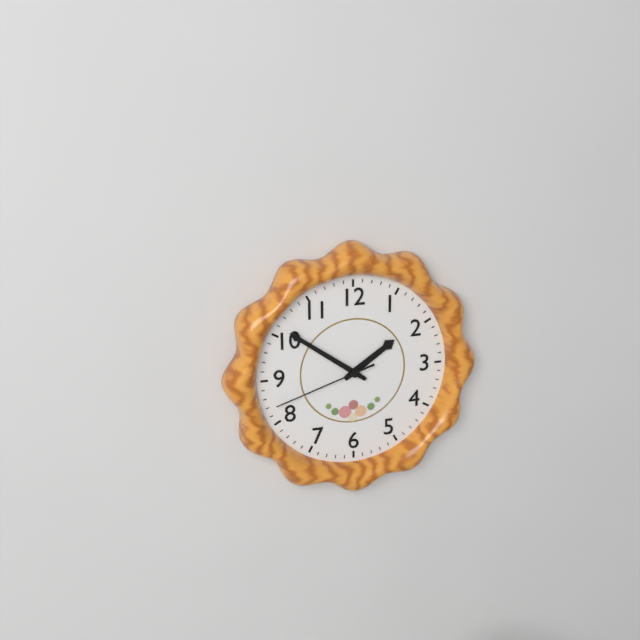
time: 1:51:42
